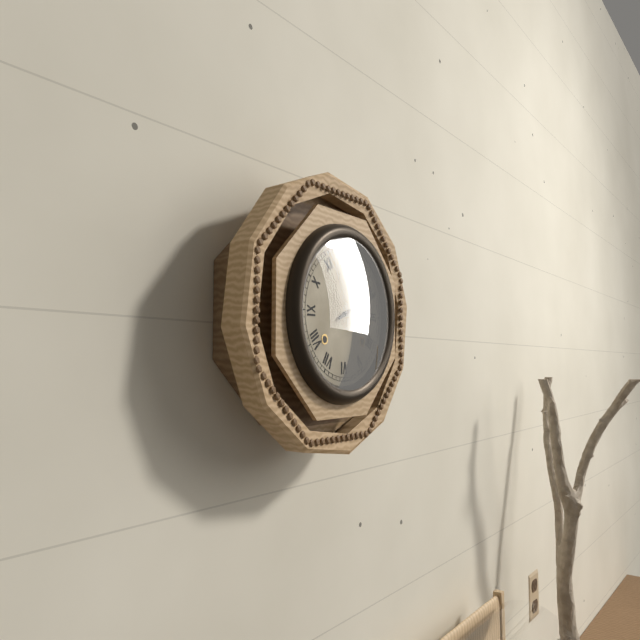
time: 2:11
